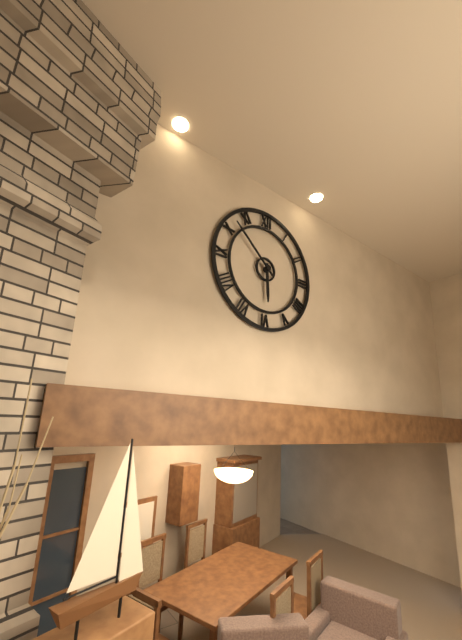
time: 5:52
